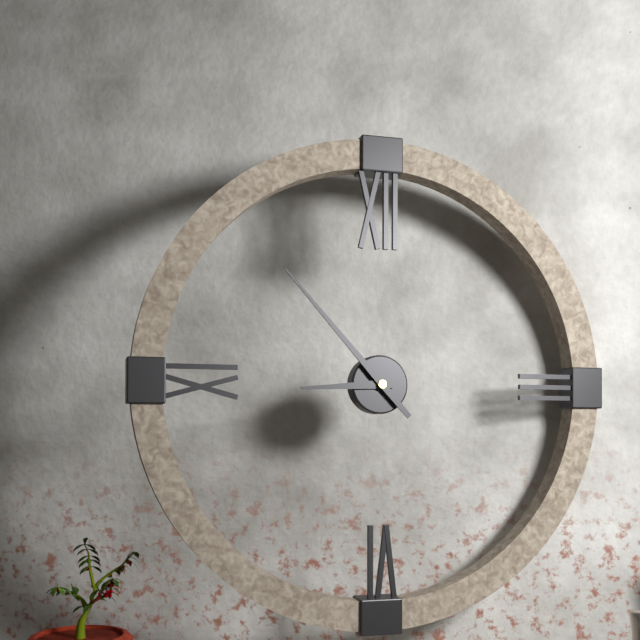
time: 8:53
